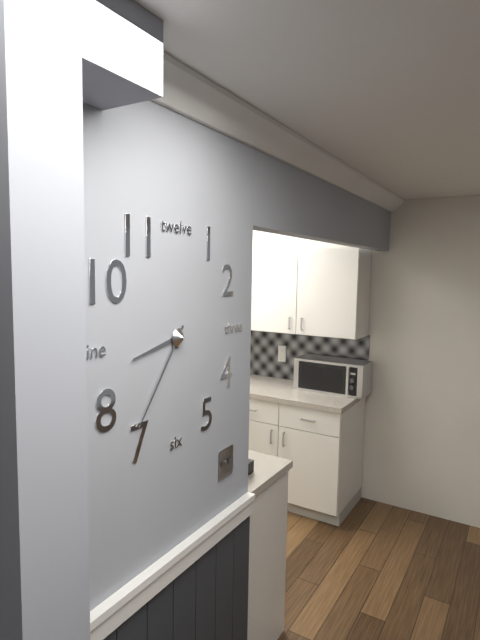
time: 8:36
